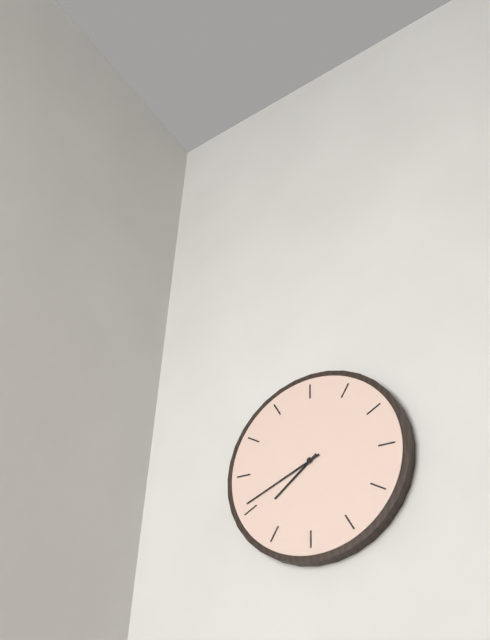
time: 7:41
